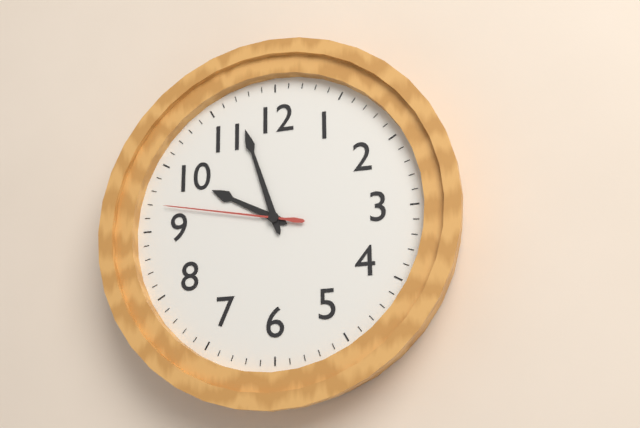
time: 9:57:47
